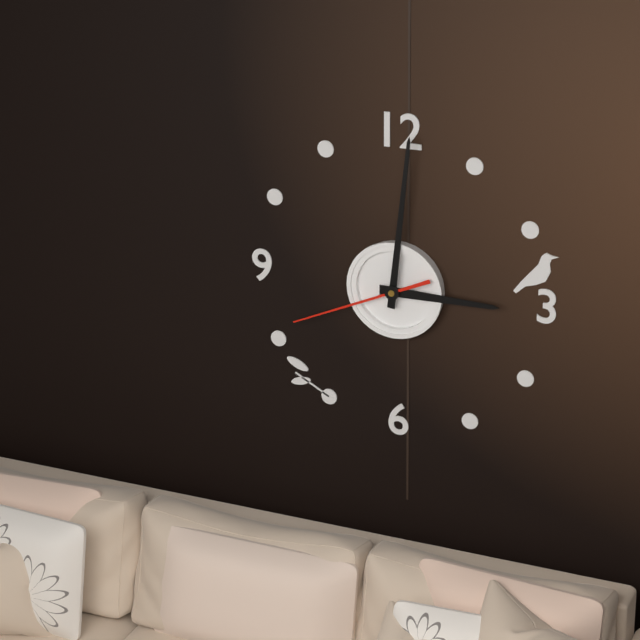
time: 3:01:41
